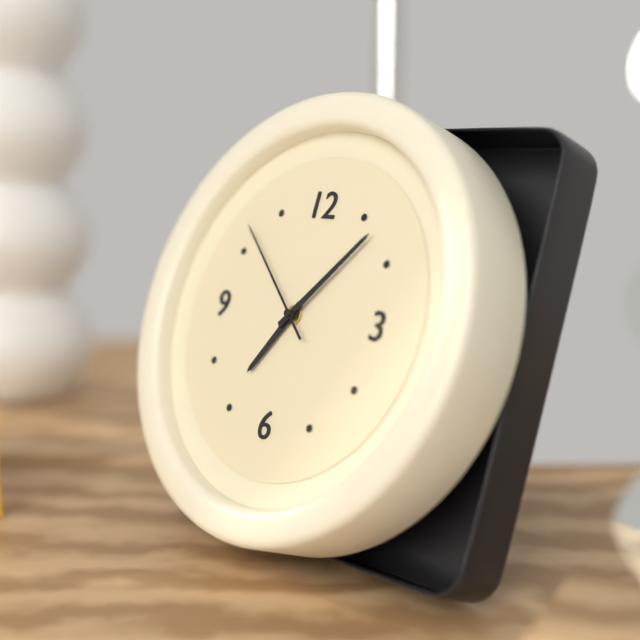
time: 7:07:52
